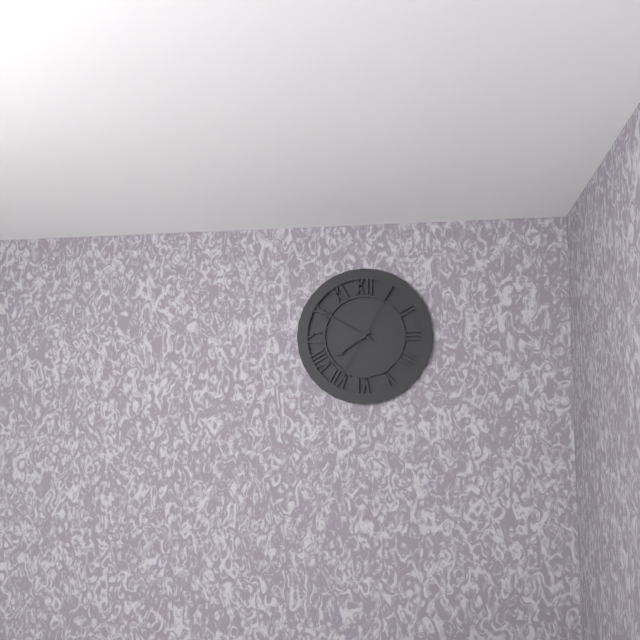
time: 7:50:05
